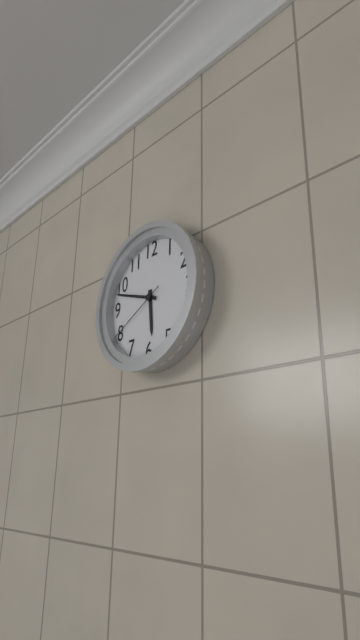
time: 5:48:40
